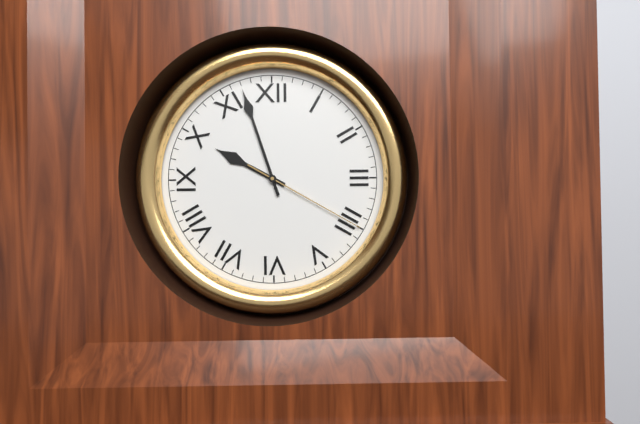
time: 9:57:20
